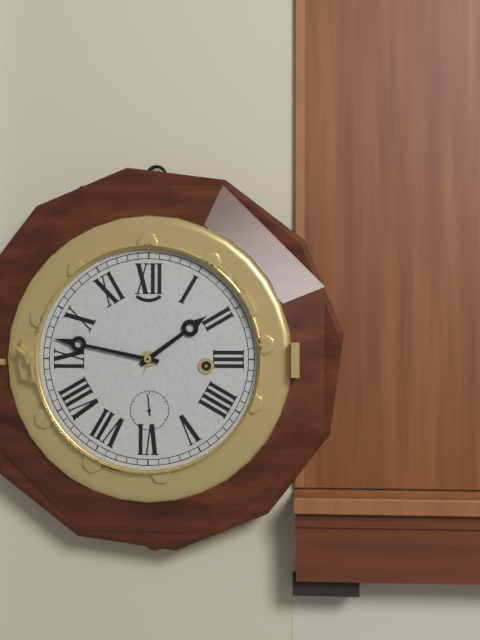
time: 1:47
